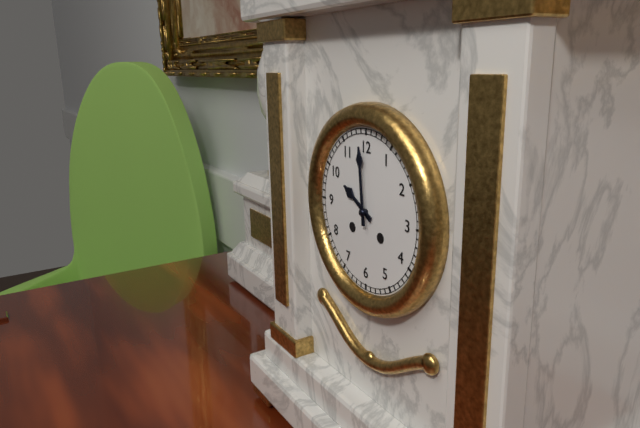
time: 9:59
